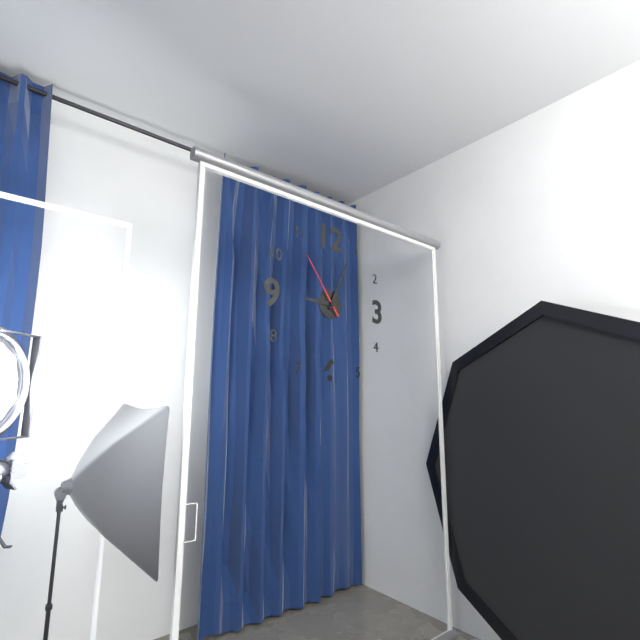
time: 9:04:54
